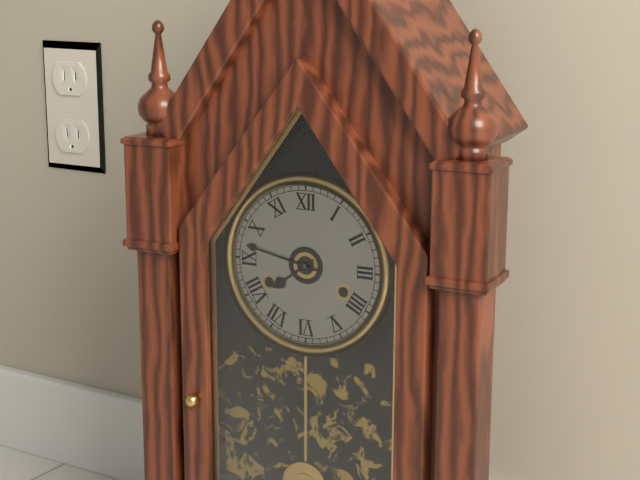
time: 7:47
